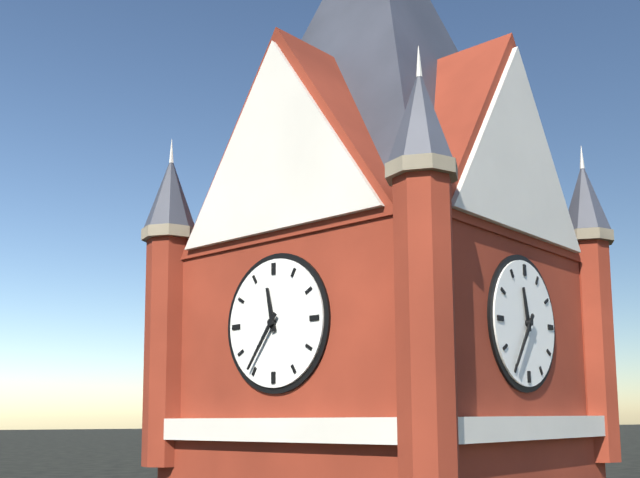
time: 11:36
